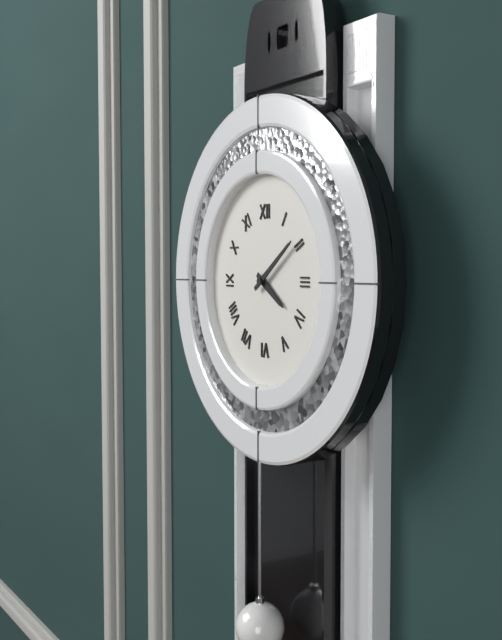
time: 4:09
